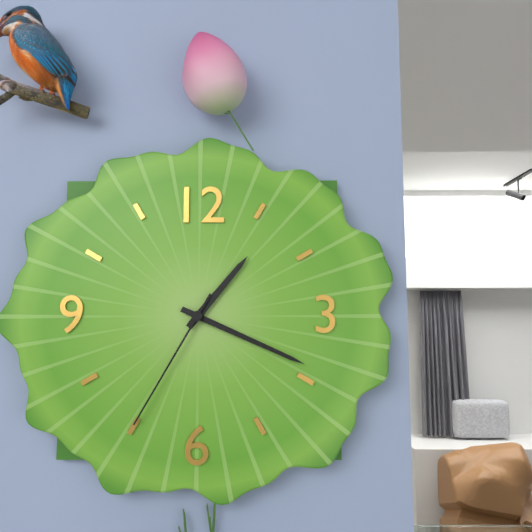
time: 1:19:35
